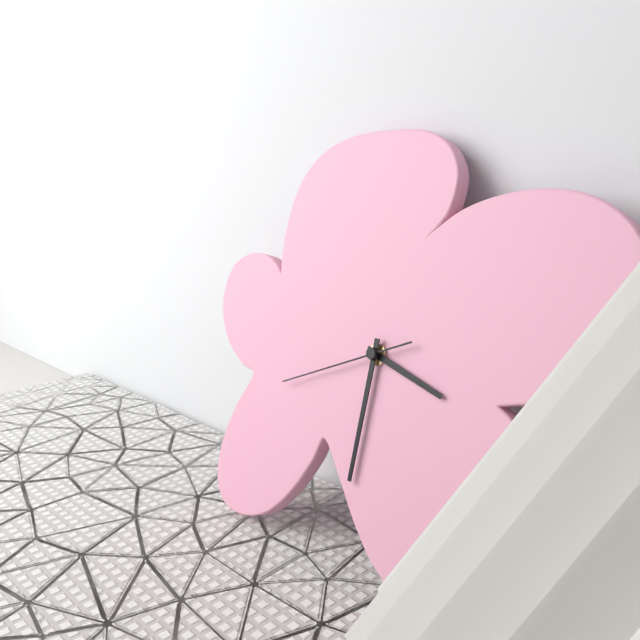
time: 3:30:41
